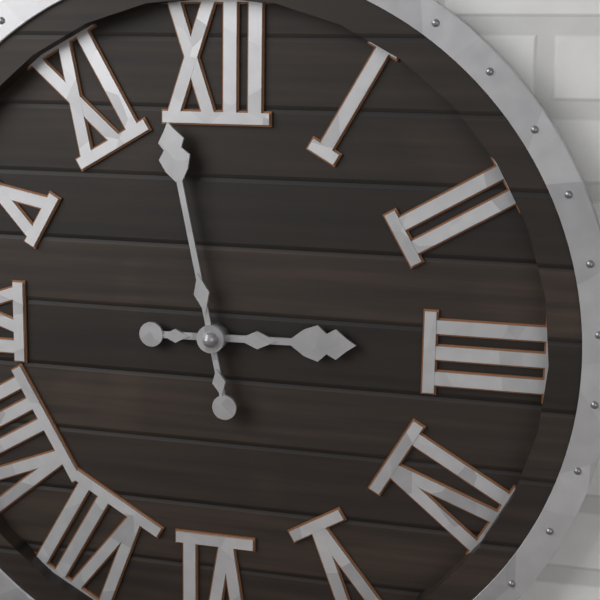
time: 2:58
